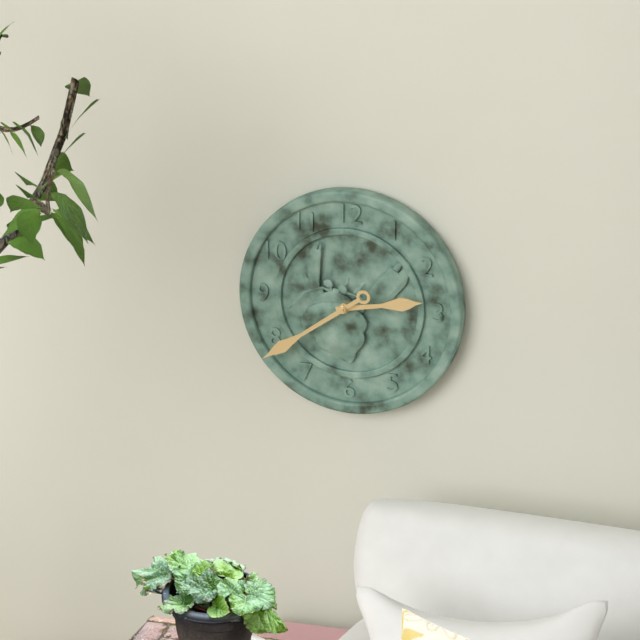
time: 2:39
